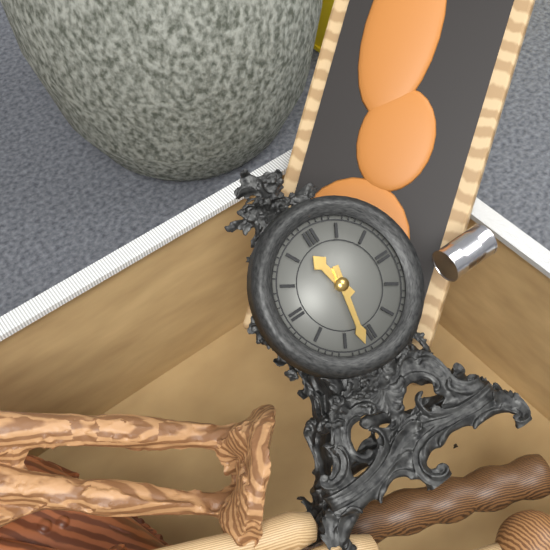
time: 11:32
